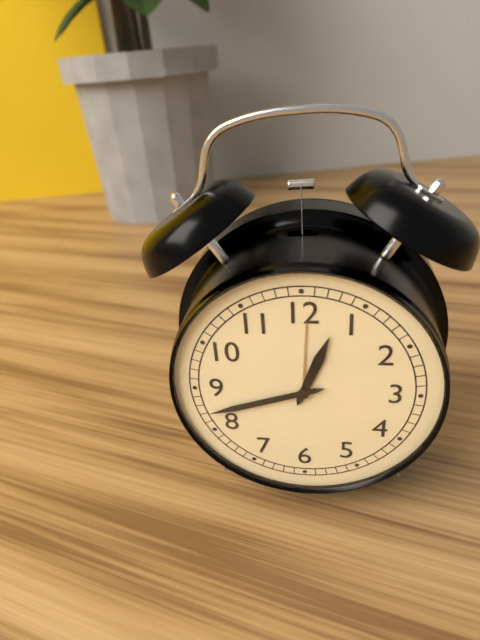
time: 12:42
